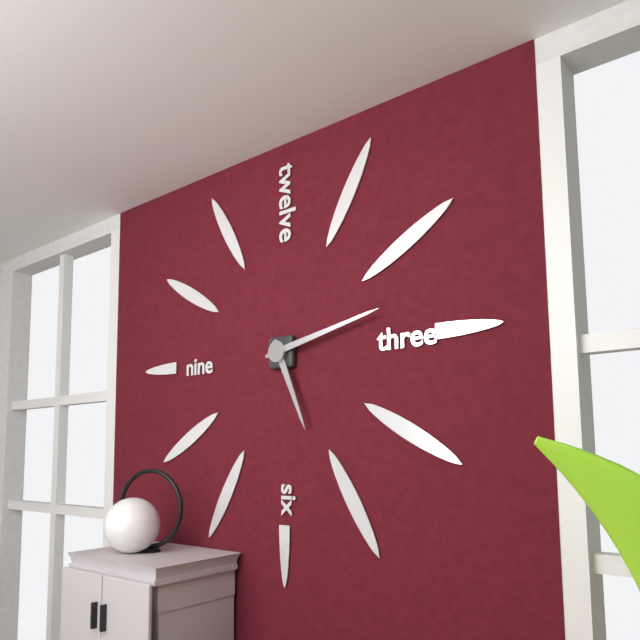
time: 5:13
